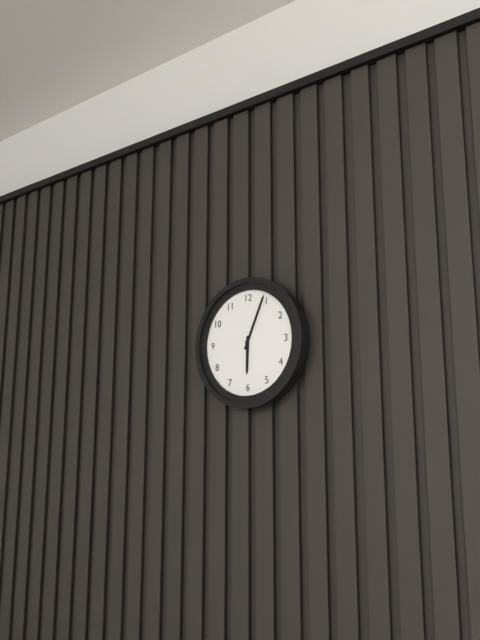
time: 6:04
